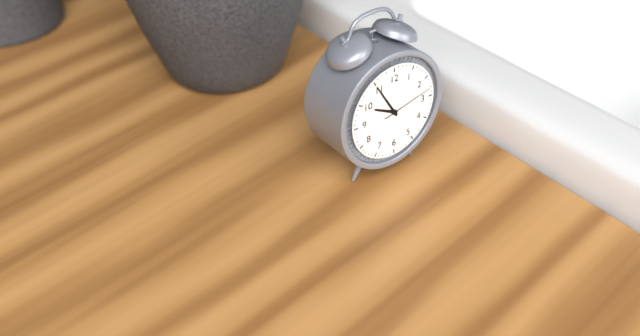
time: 9:55:13
